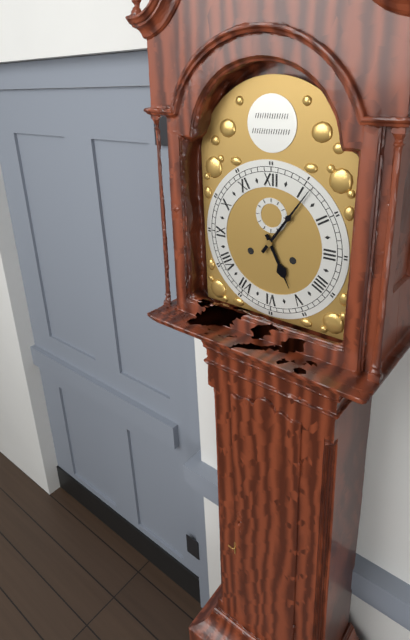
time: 5:06
